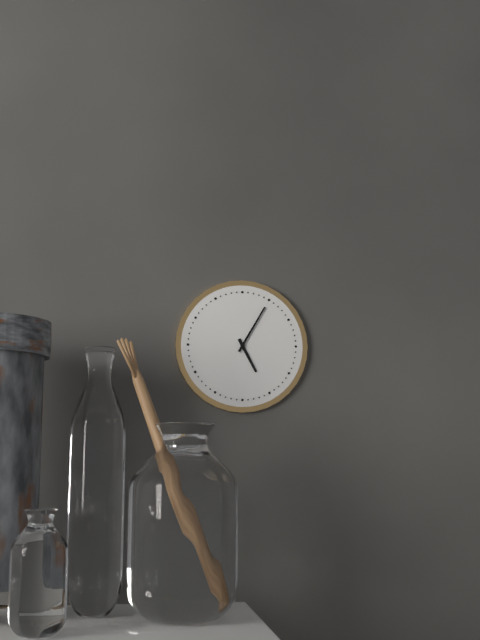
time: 5:05
